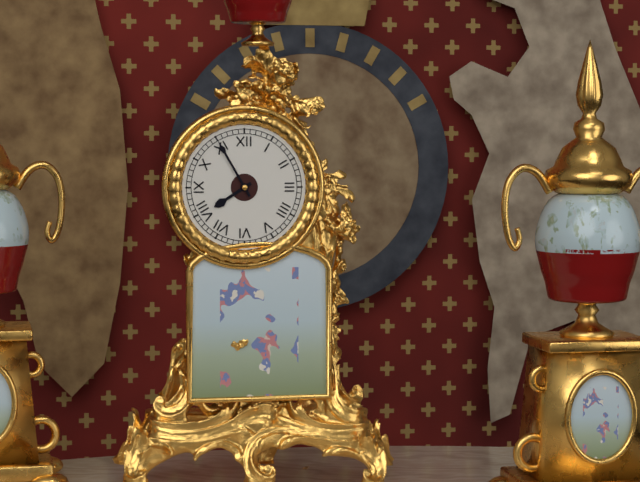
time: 7:55
